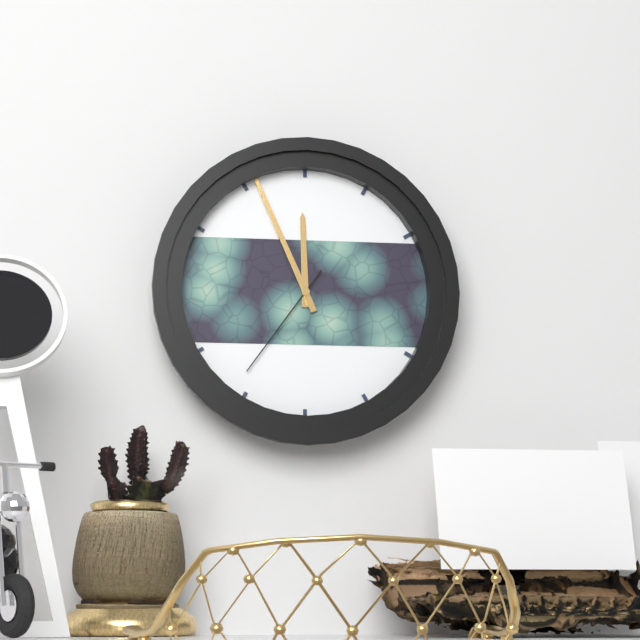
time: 11:56:36
